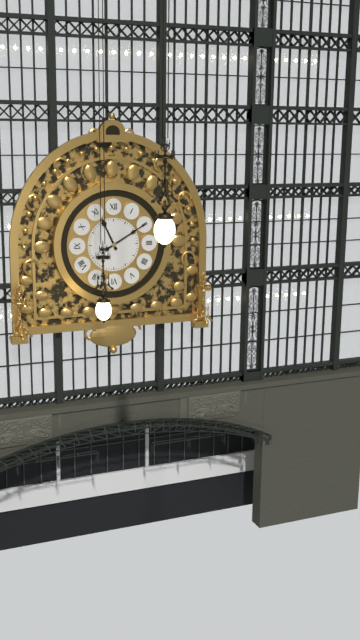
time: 11:10
